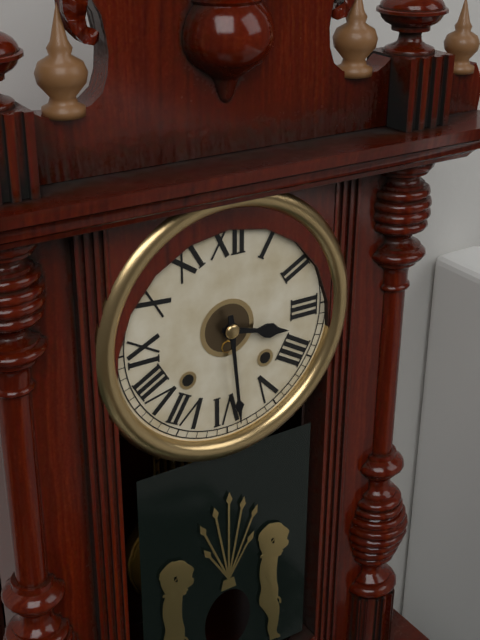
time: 3:29
